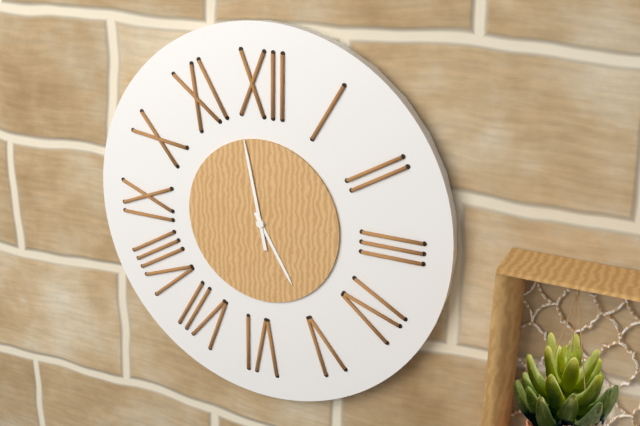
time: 4:58
